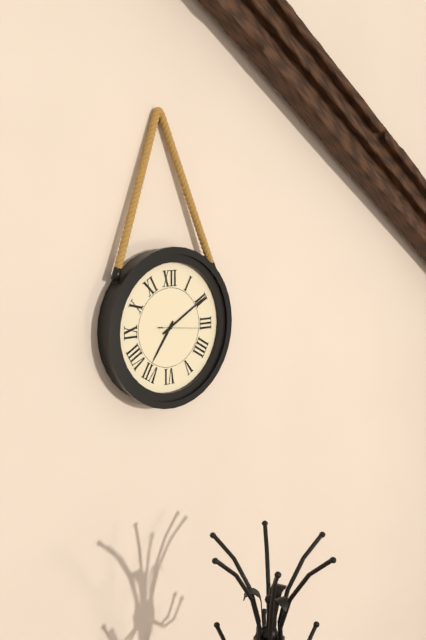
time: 7:10
